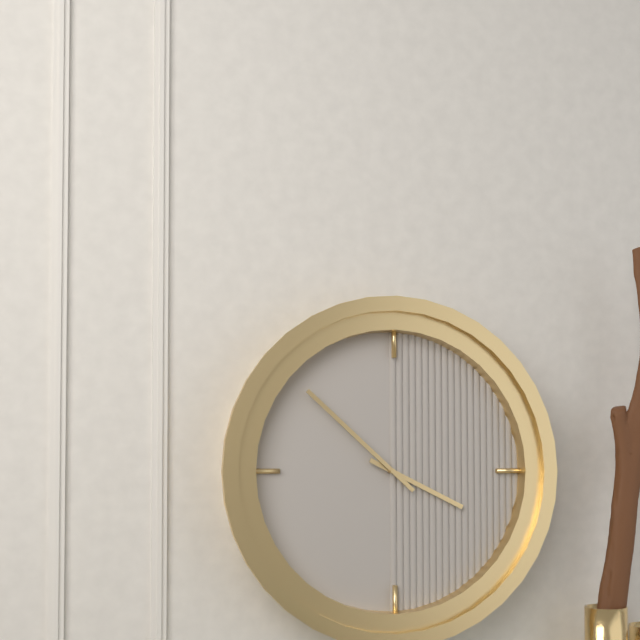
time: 3:52
